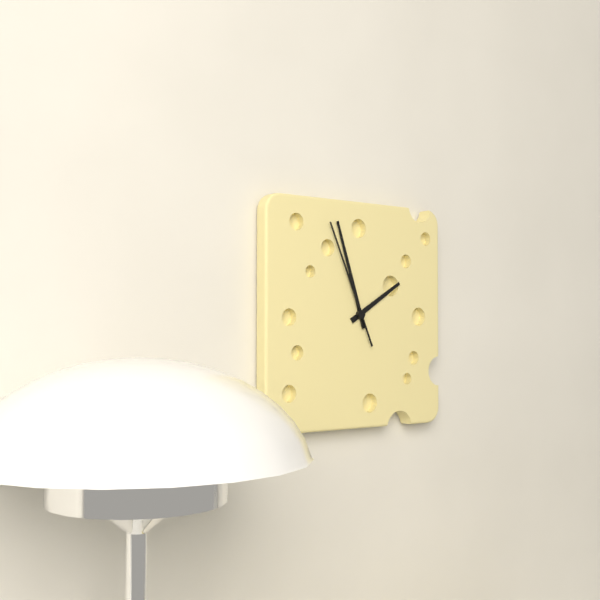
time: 1:57:56
